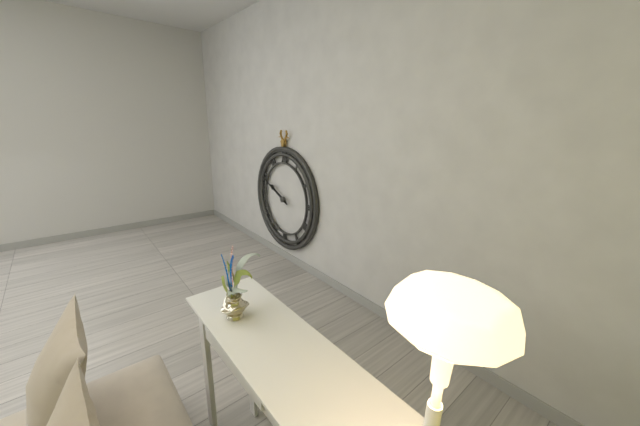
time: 9:49
